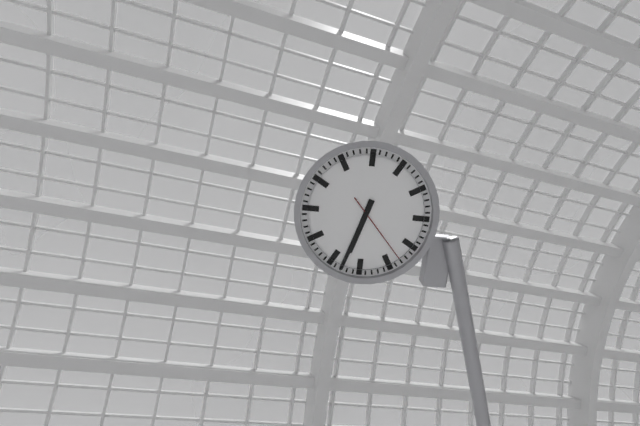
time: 6:33:23
